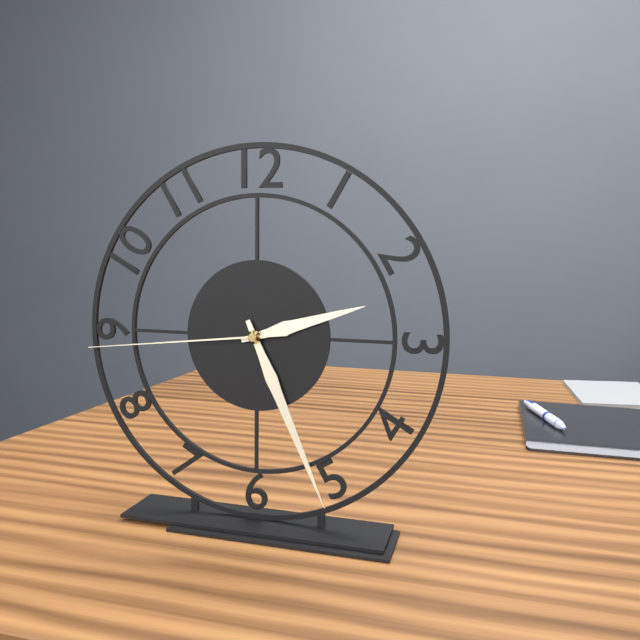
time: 2:26:44
